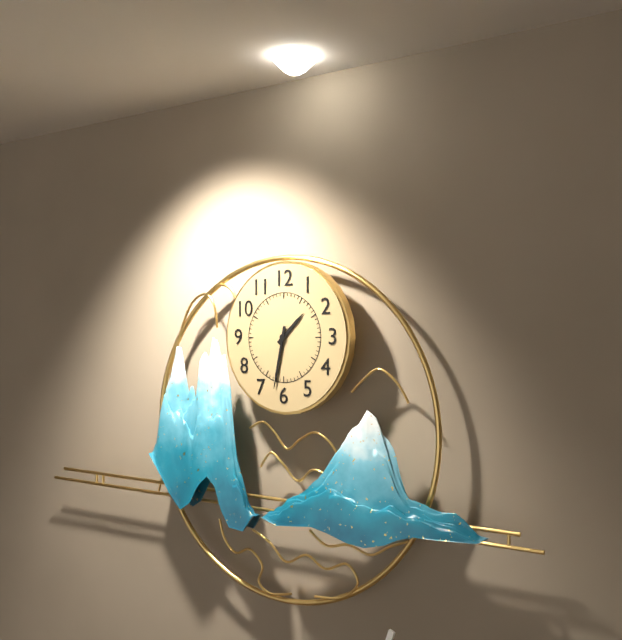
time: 1:32
